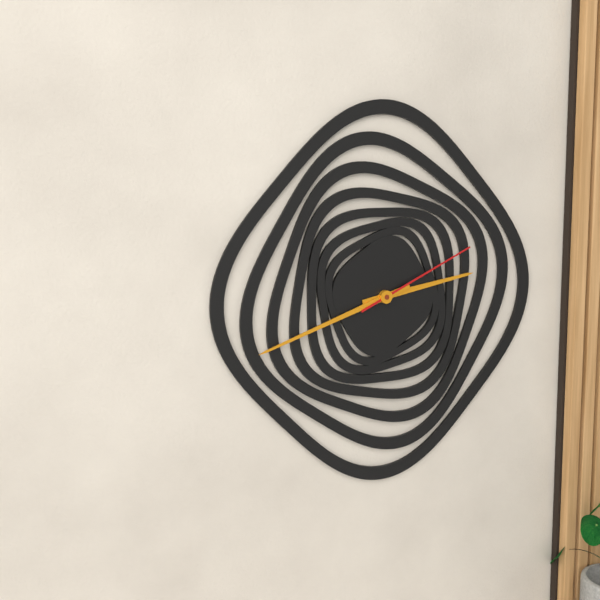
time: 2:42:11
